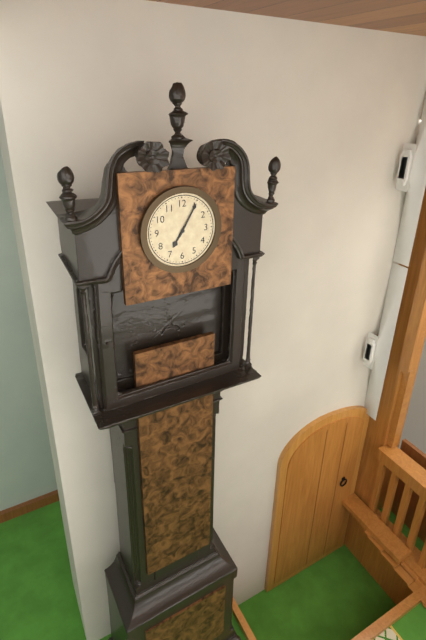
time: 7:05
